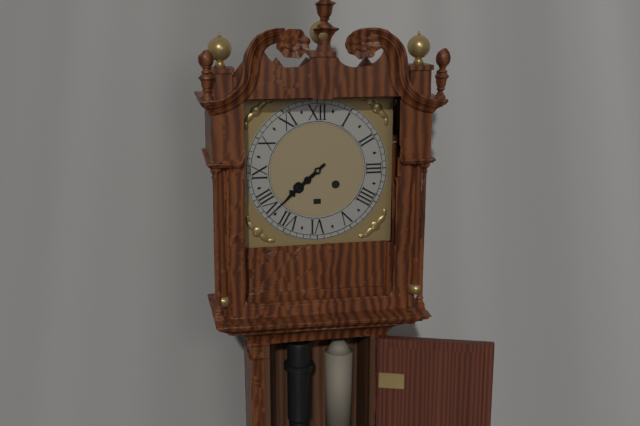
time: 7:38
